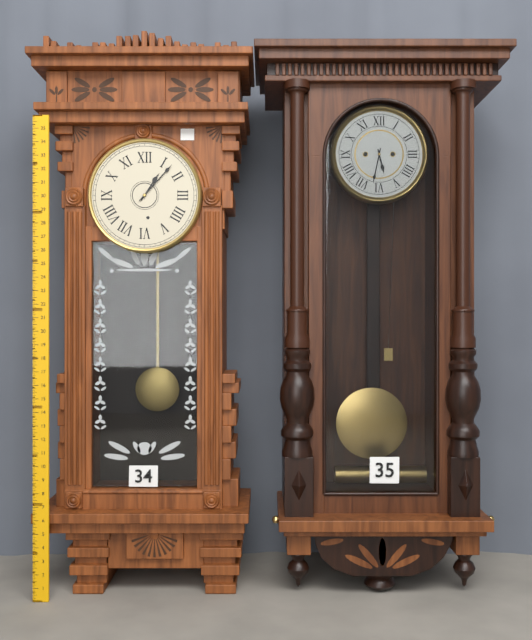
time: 1:07
